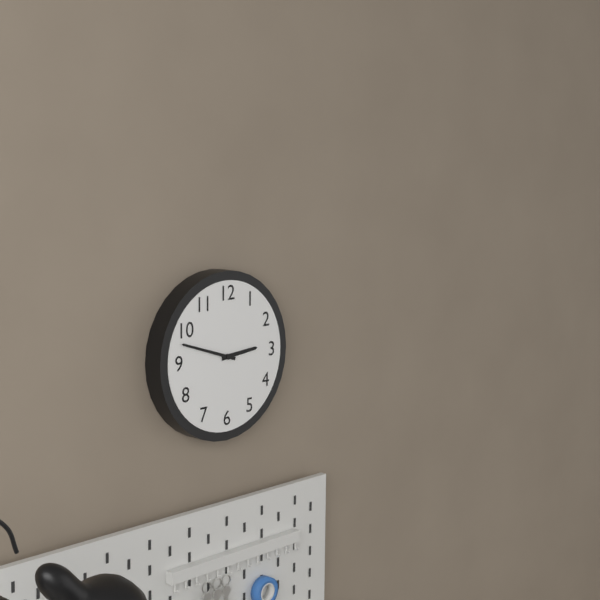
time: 2:48
